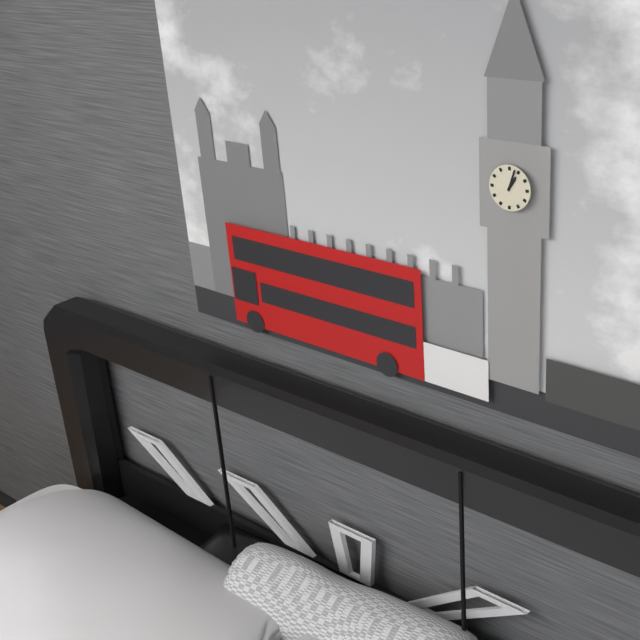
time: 1:03
